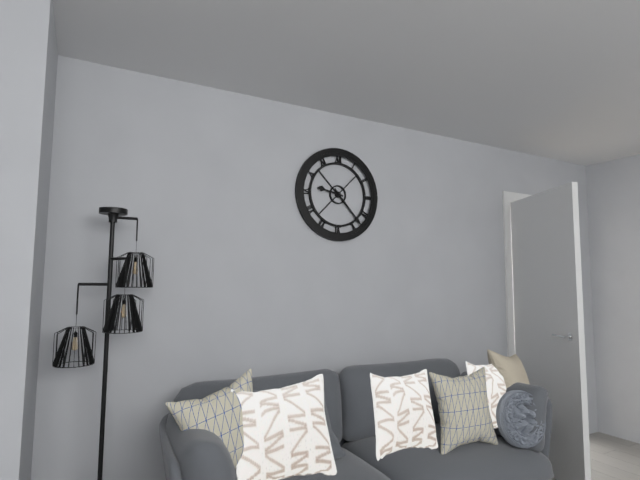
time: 9:23
